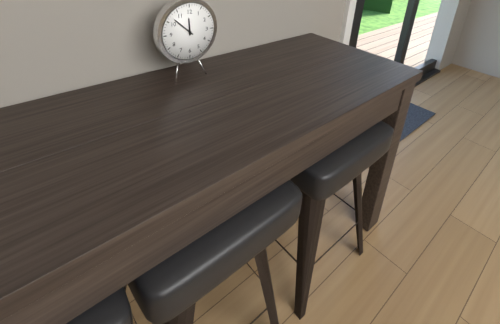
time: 11:52
